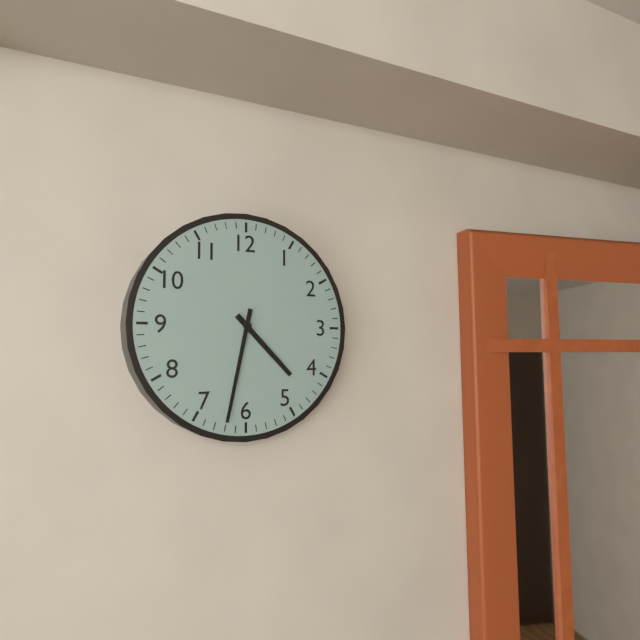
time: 4:32
